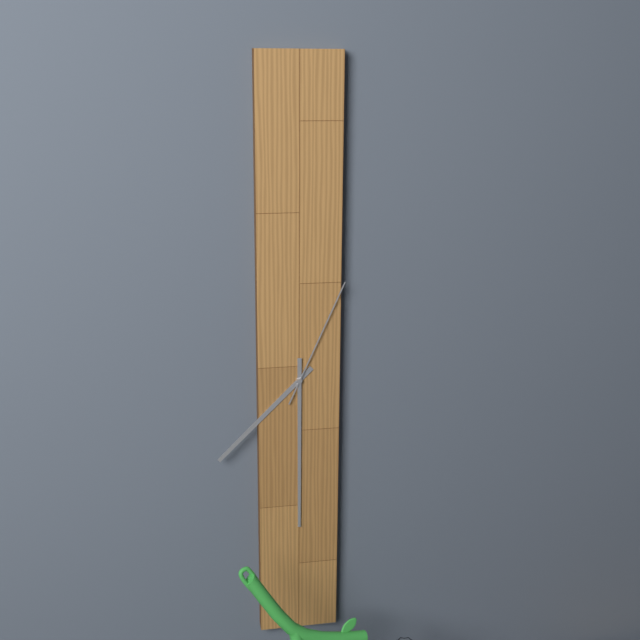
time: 7:30:04
